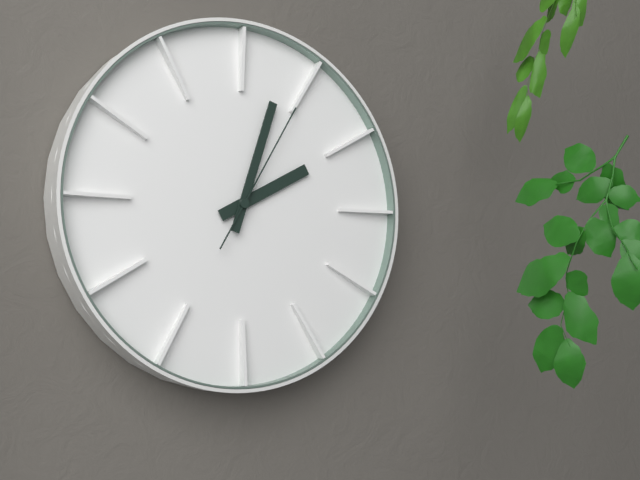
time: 2:03:05
